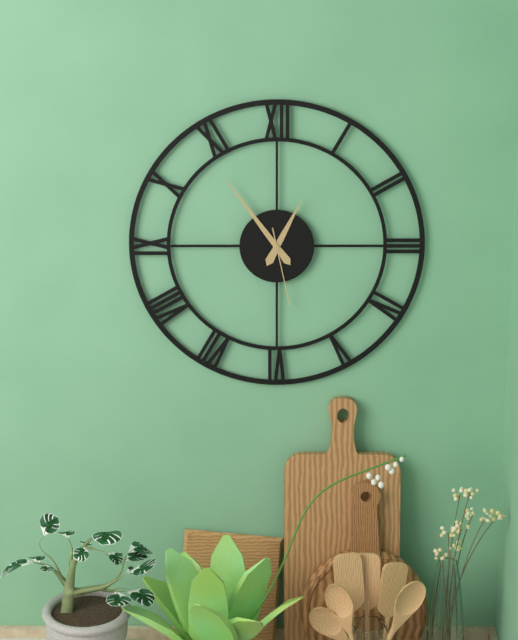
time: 12:54:28
